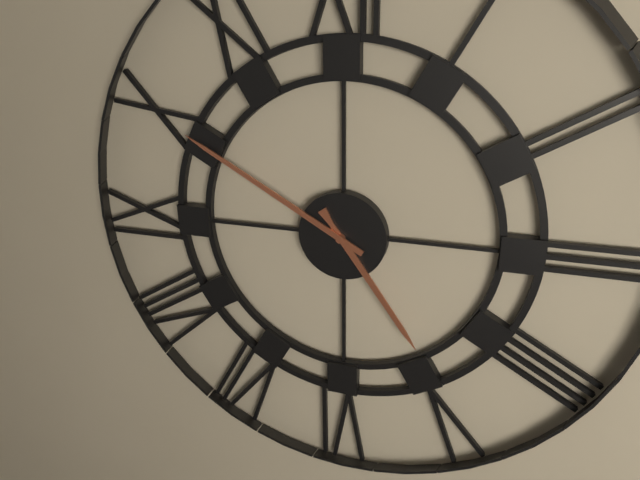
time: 4:50
